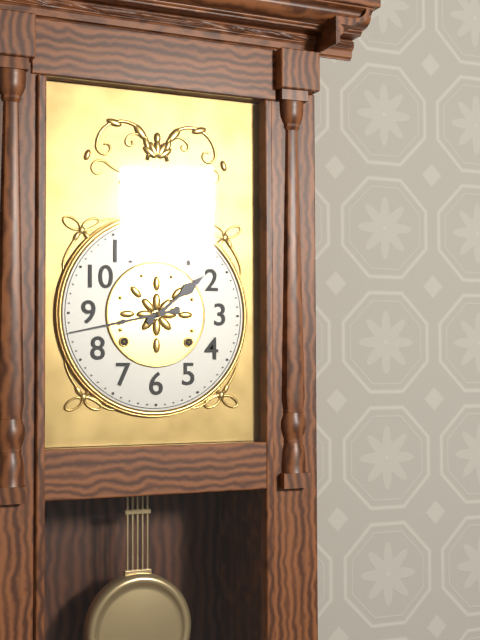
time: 1:43
